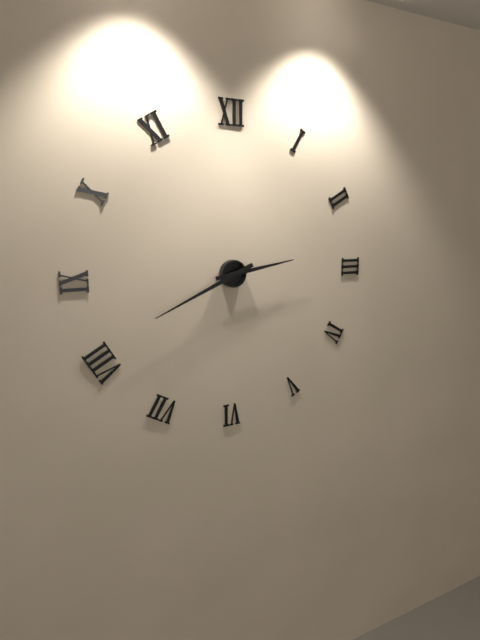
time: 2:41
